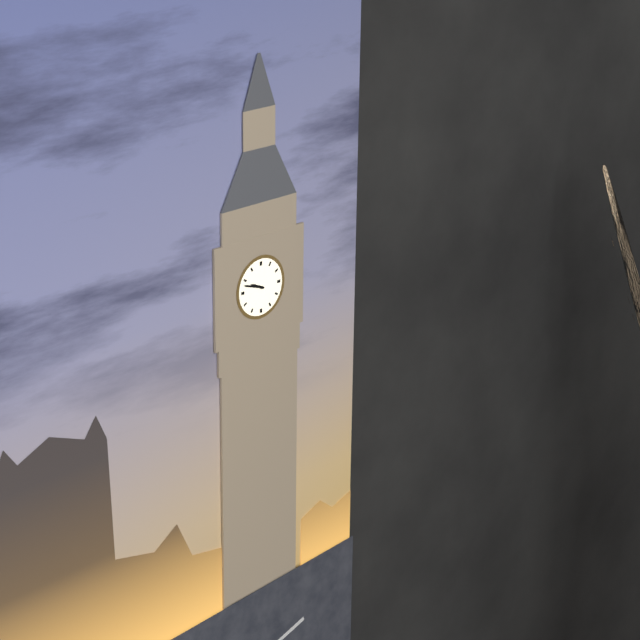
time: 9:48
